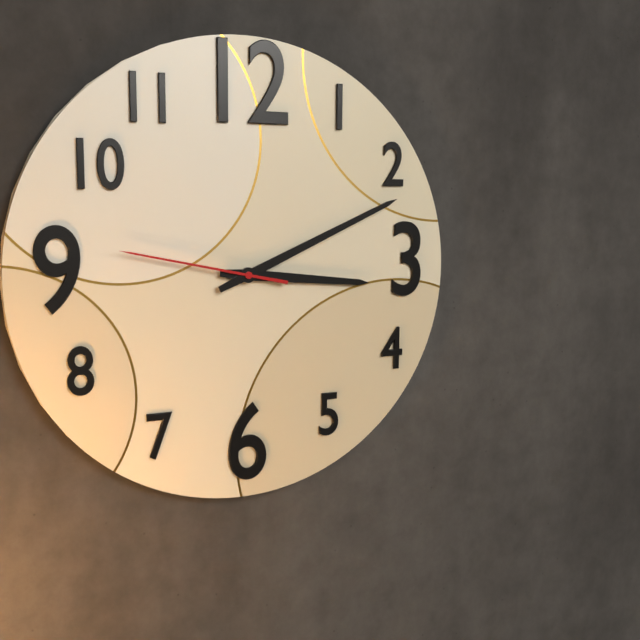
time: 3:11:47
